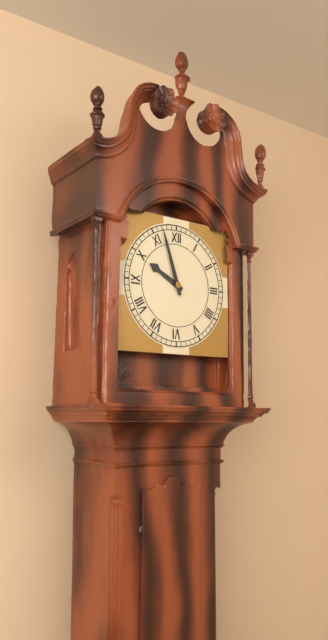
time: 9:57
